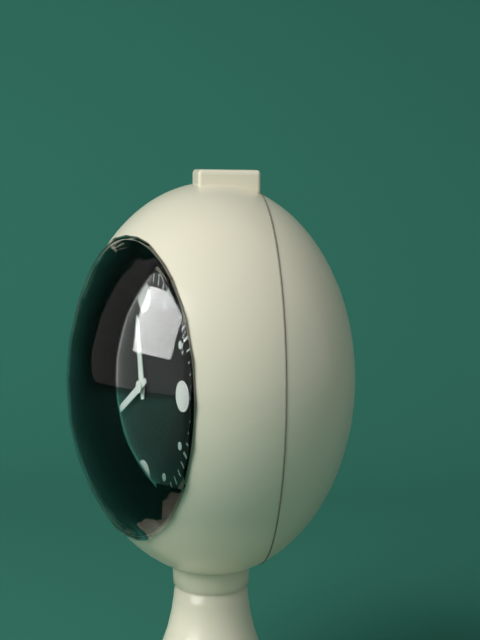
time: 11:40
